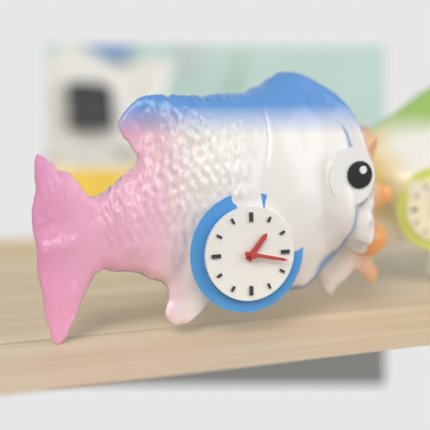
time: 1:17
